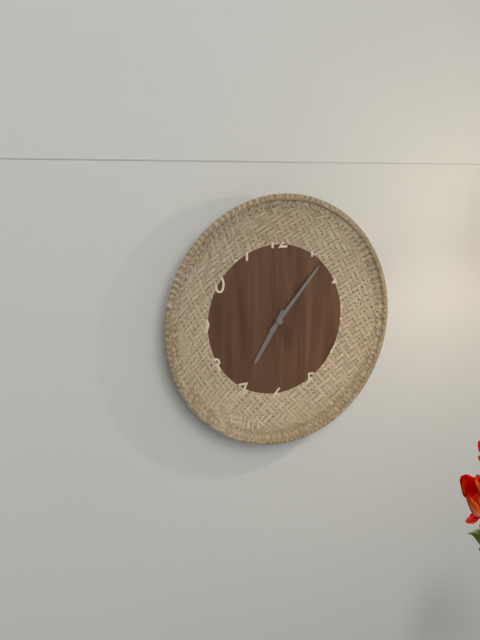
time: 7:07
